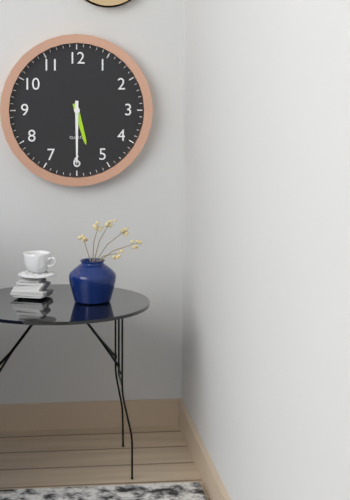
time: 5:30
